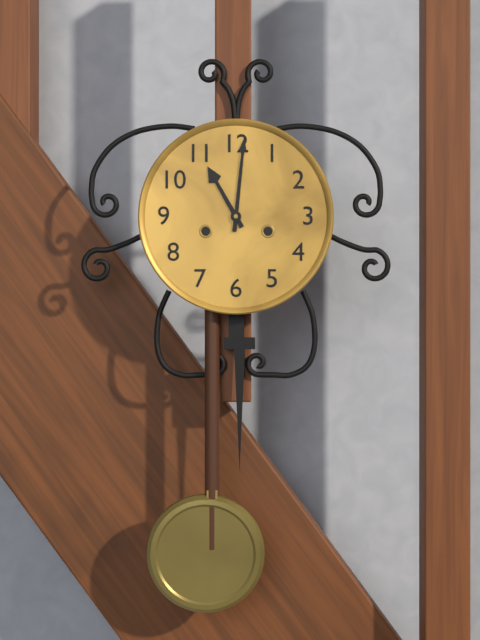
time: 11:01
